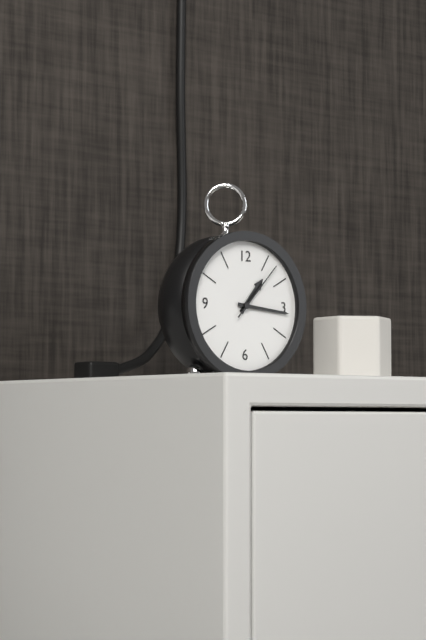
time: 1:16:07
